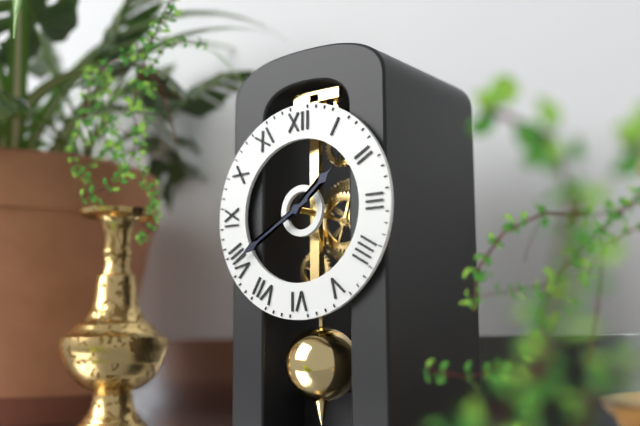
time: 1:40
